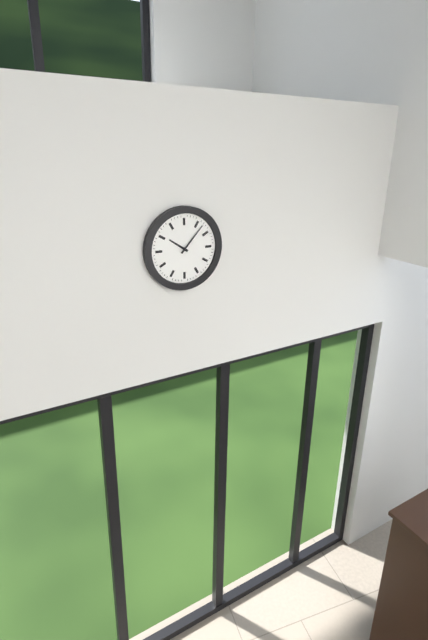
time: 10:07
